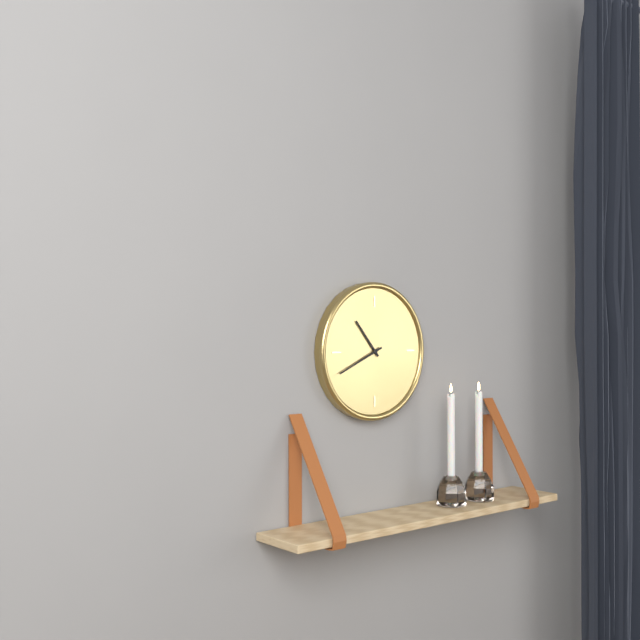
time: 10:41
